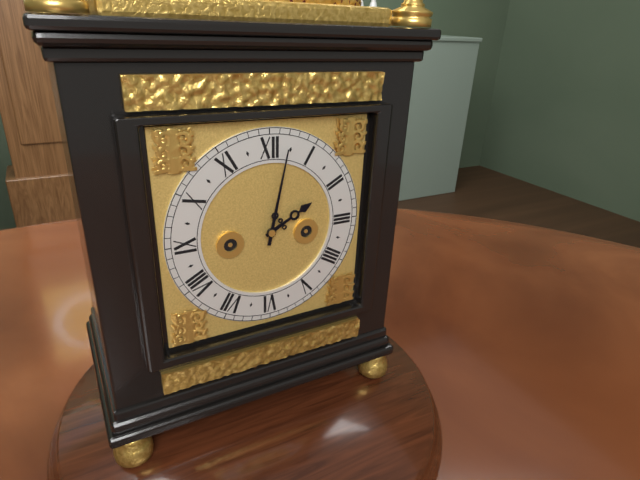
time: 2:02
